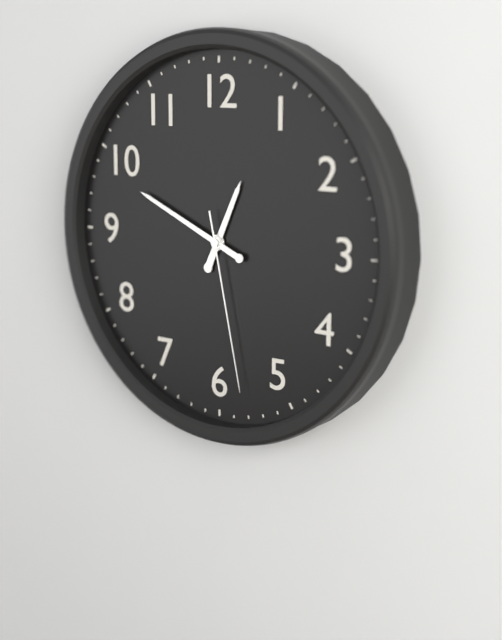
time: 12:49:28
